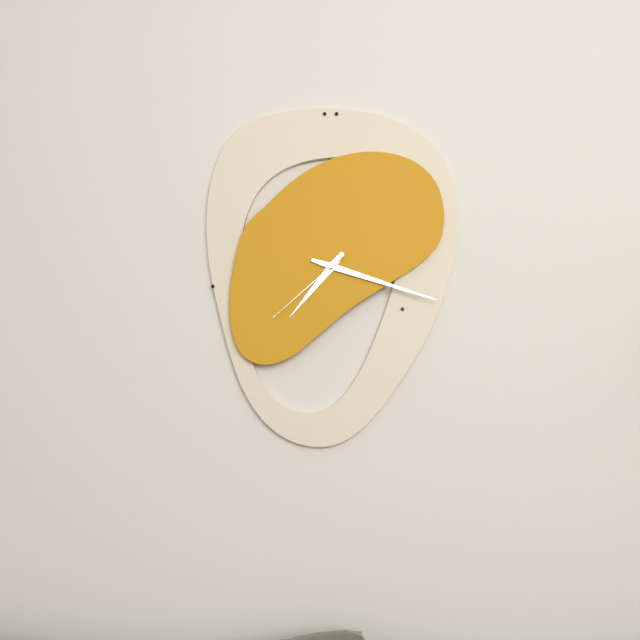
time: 7:18:38
